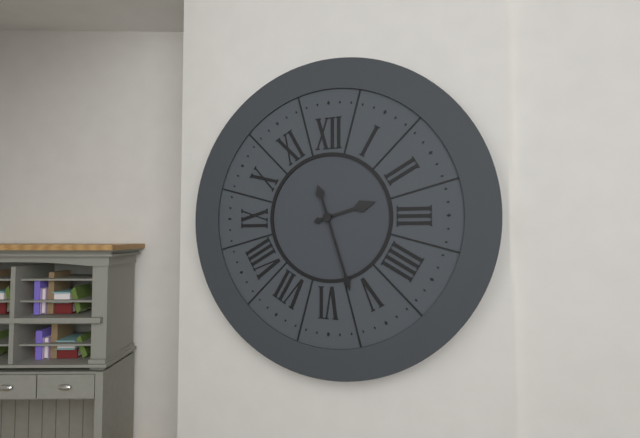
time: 2:27
